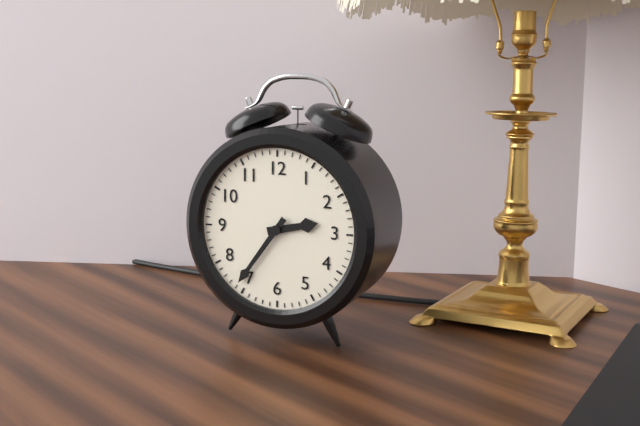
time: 2:36
